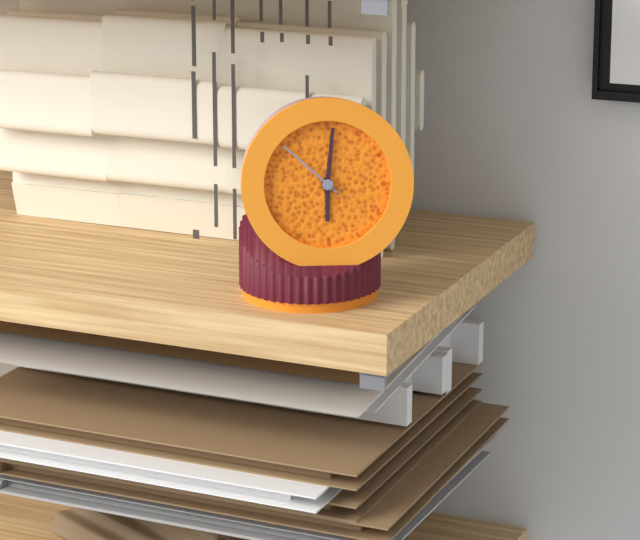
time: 6:01:52
